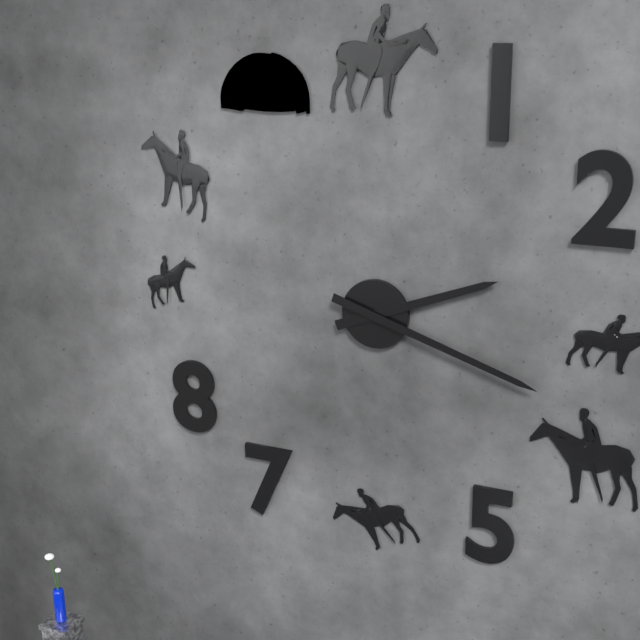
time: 2:18
